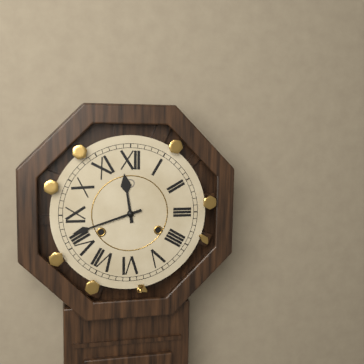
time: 11:42
